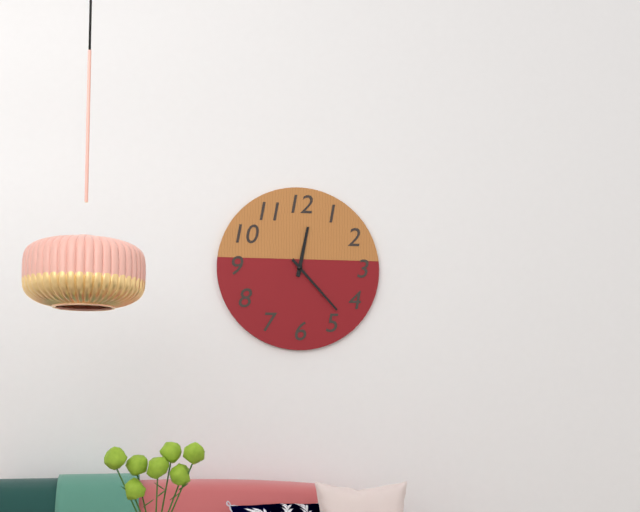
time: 12:23
